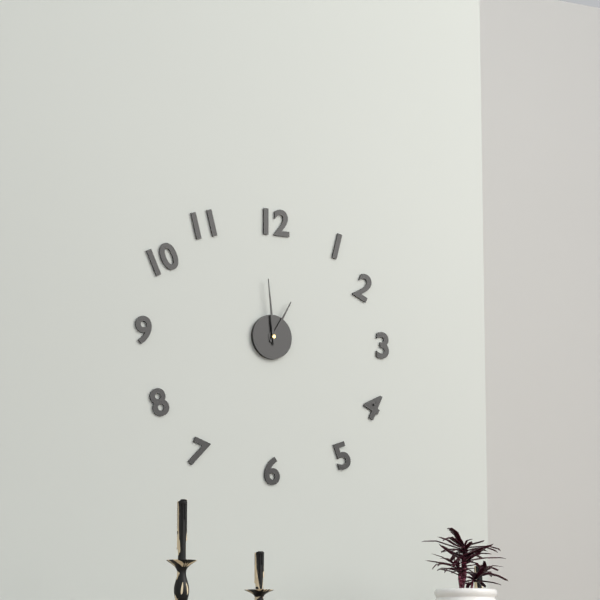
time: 12:59
